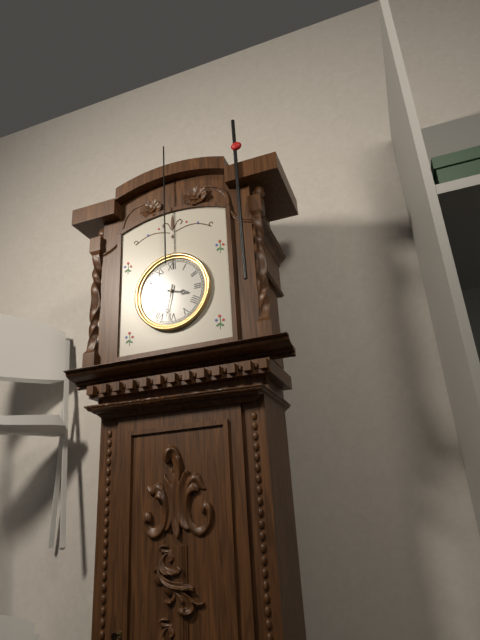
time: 3:32
